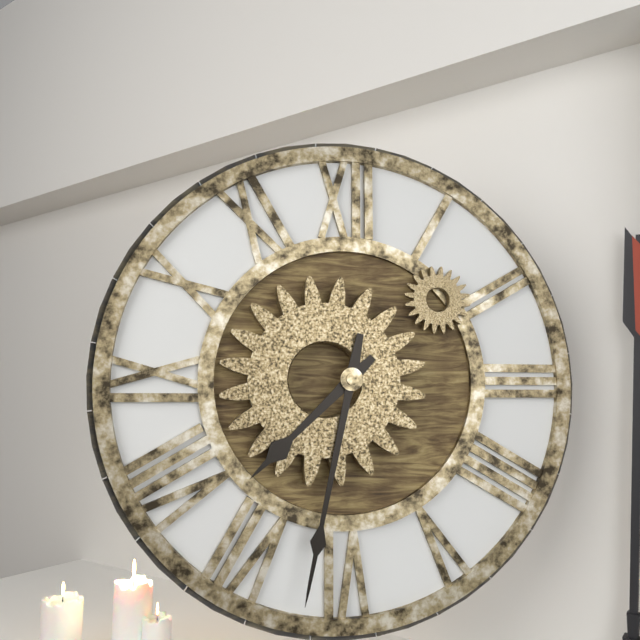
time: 7:32
